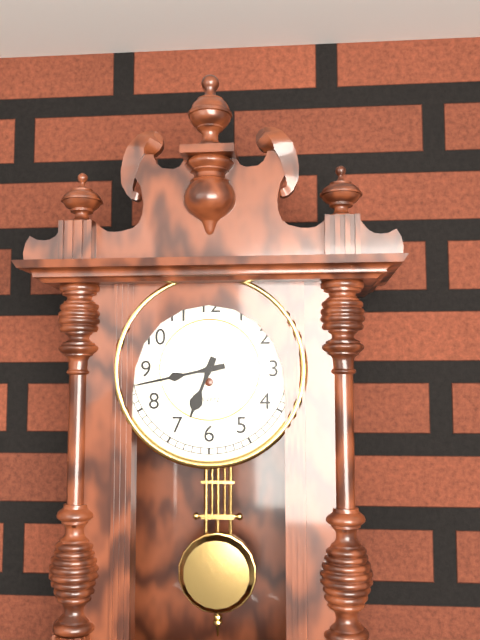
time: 6:43
